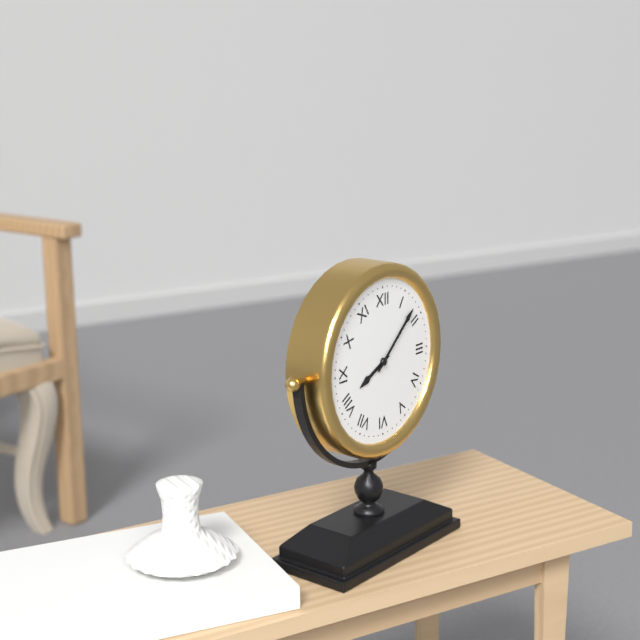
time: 8:08
